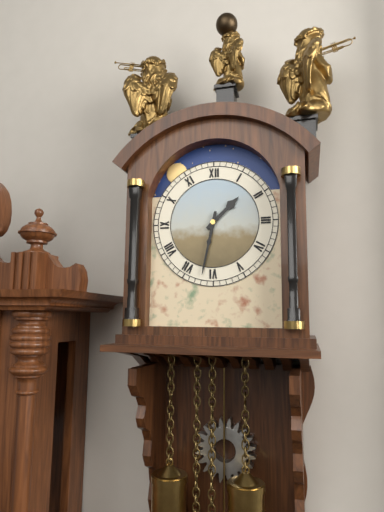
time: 1:32
